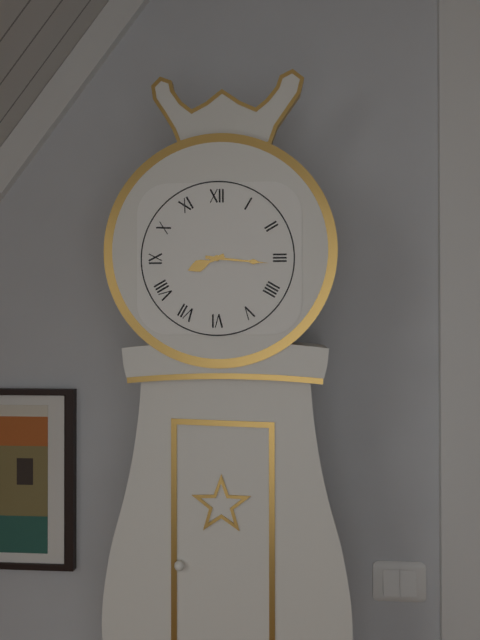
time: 8:16
